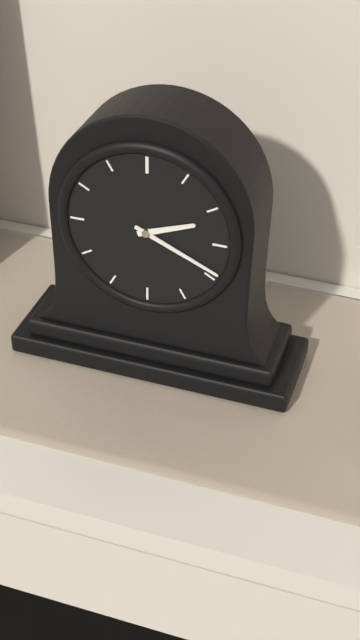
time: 2:19
